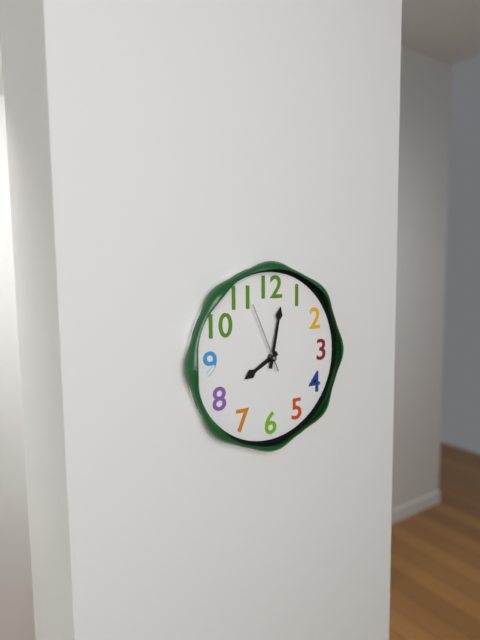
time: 8:02:56
